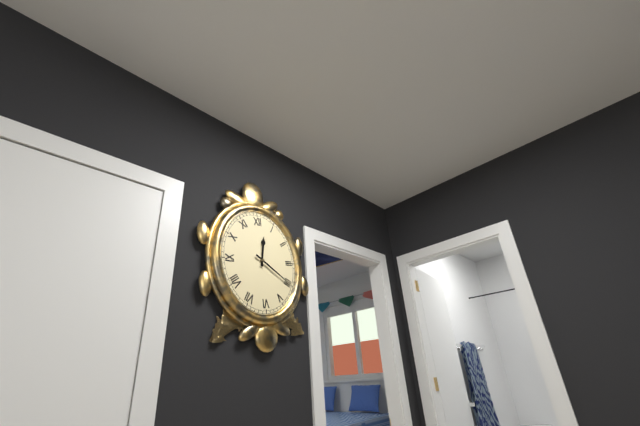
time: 12:21
